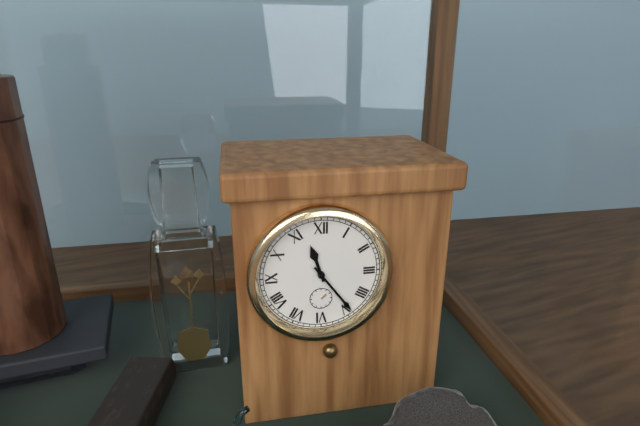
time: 11:24
